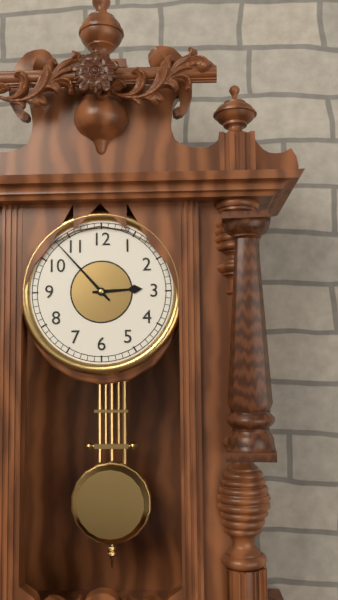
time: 2:53
